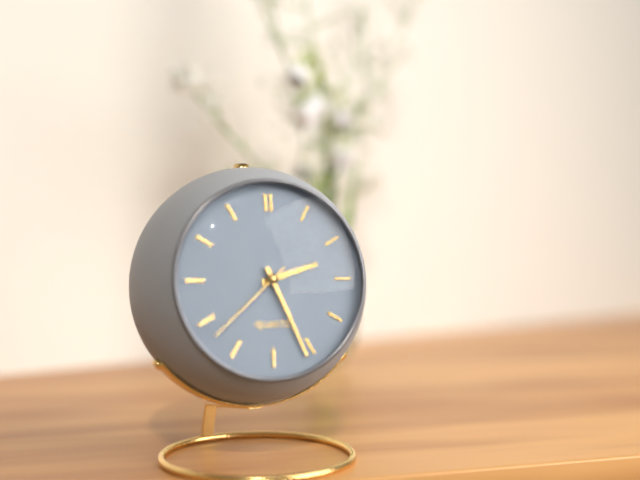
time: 2:26:38
